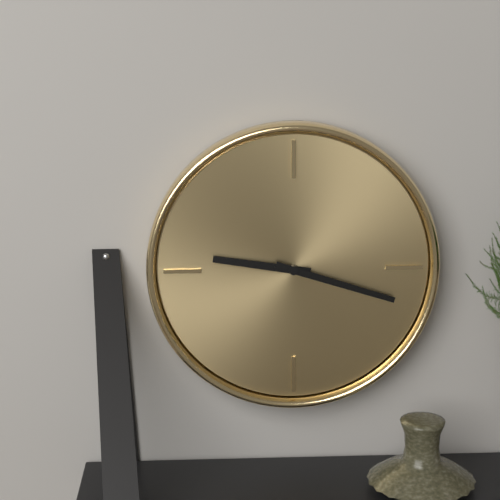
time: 9:18
